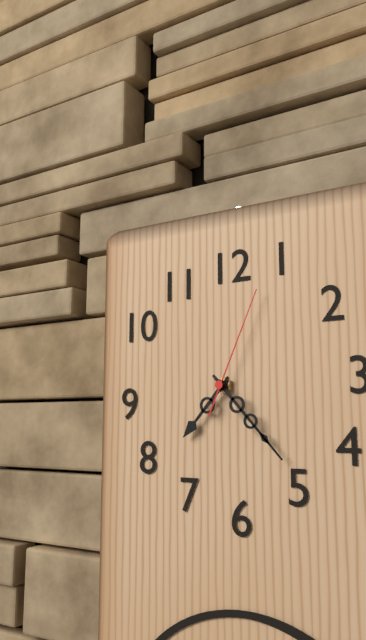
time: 7:23:04
